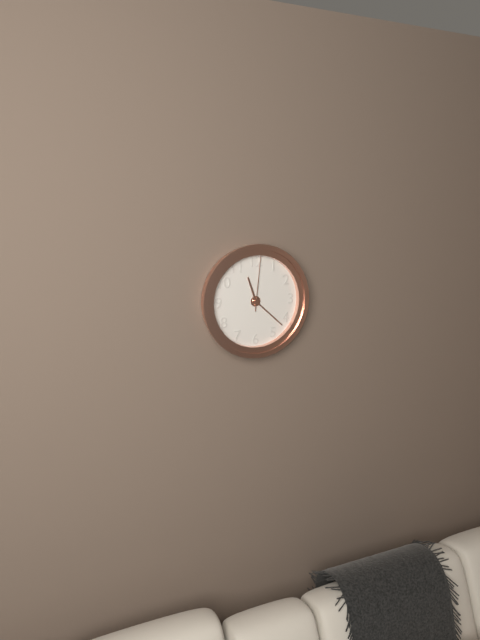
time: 11:22:01
